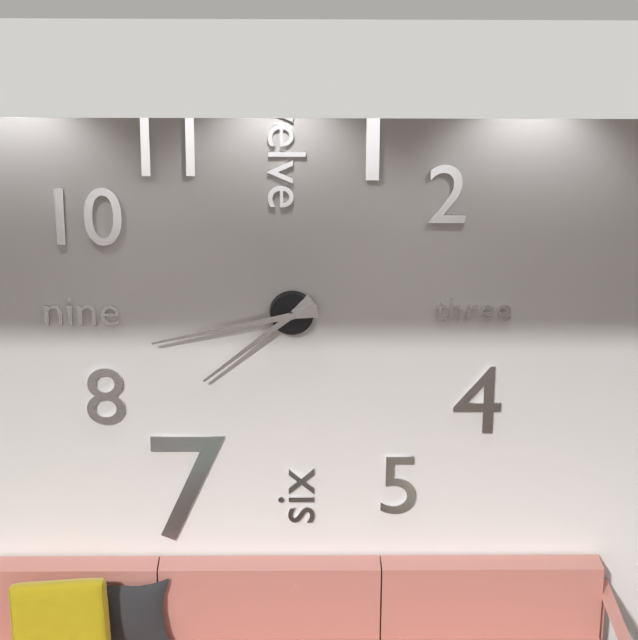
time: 7:43
